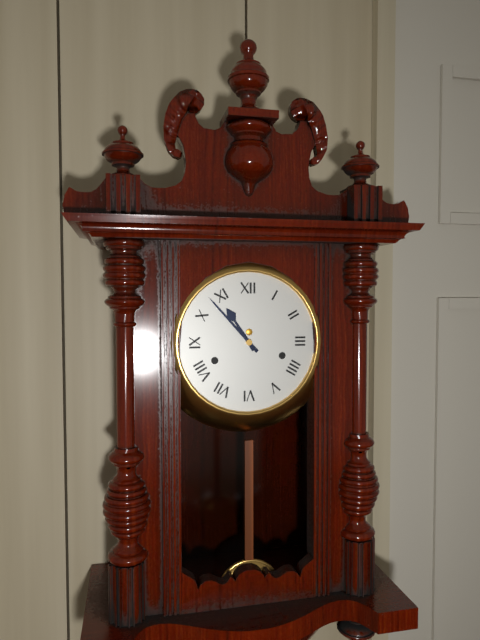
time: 10:53
